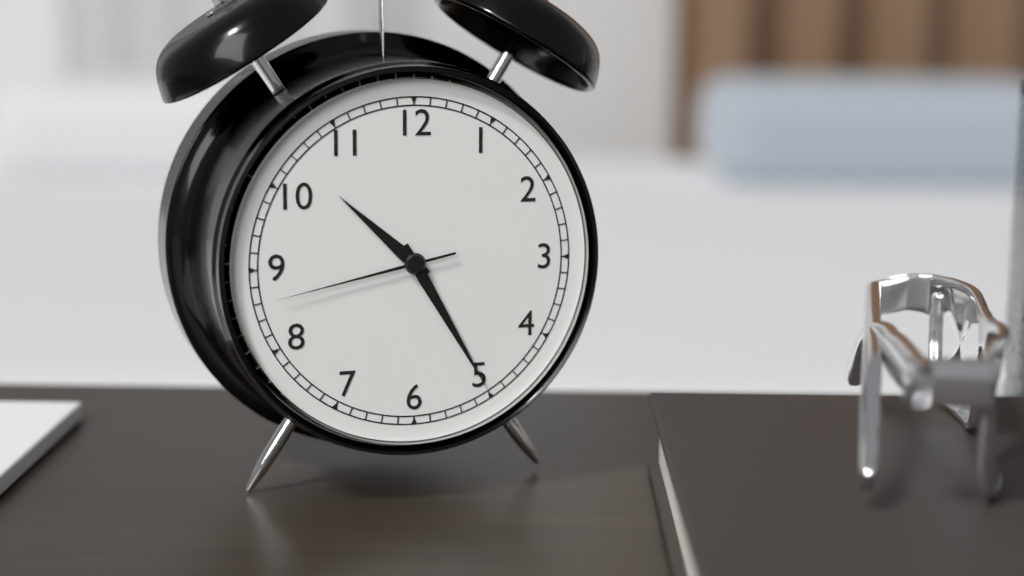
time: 10:25:43
